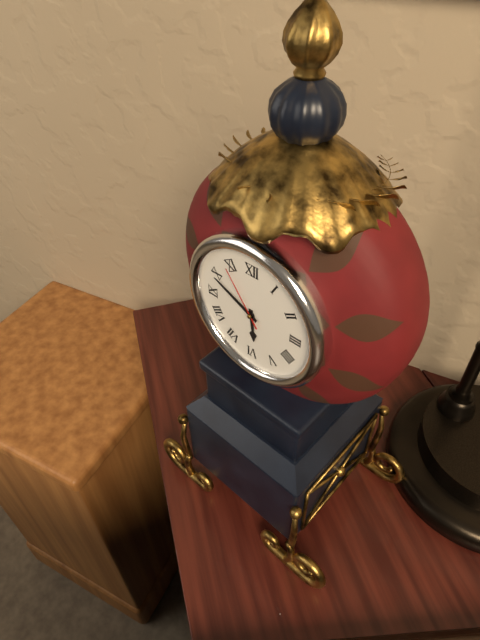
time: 5:49:54
